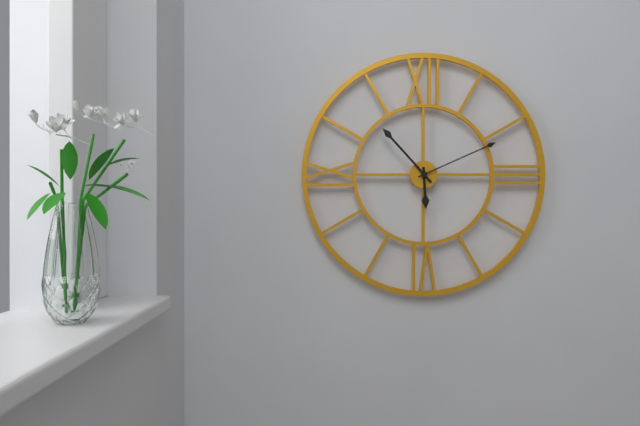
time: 5:53:11
